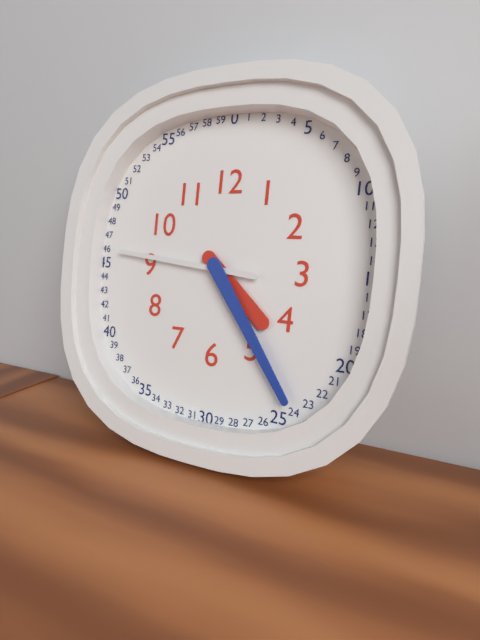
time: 4:24:46
